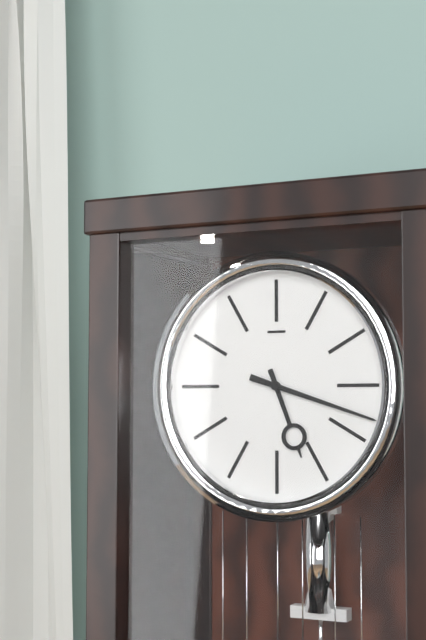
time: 5:18
